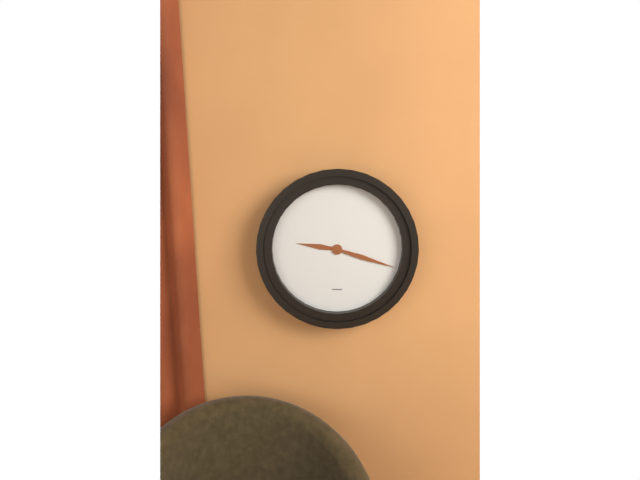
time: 9:18
